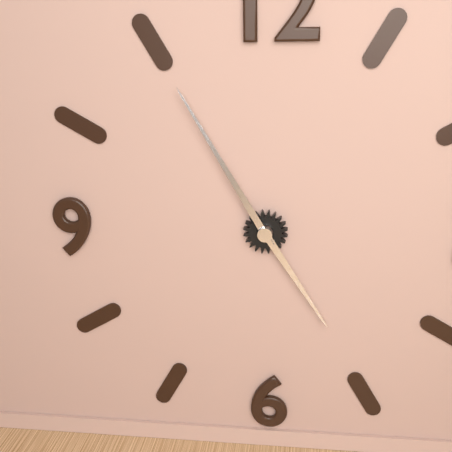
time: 4:55
